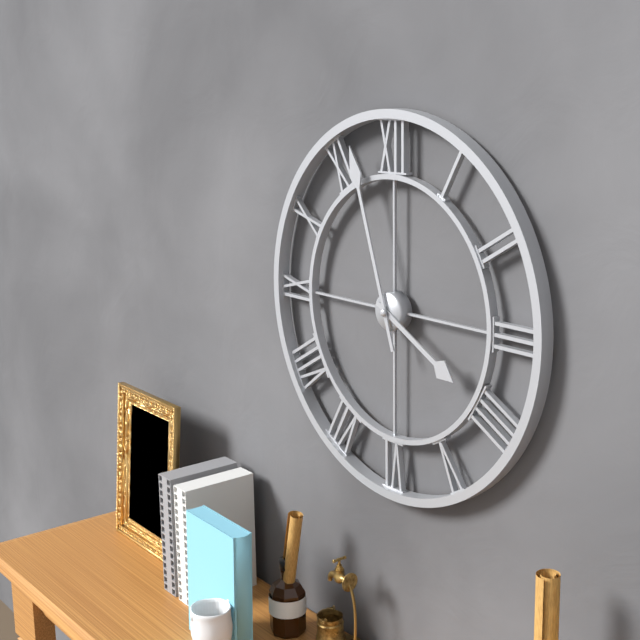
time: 3:57
